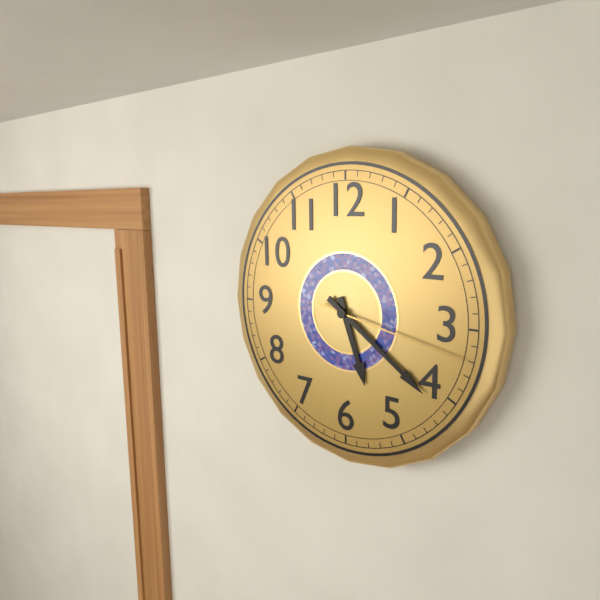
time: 5:21:17
